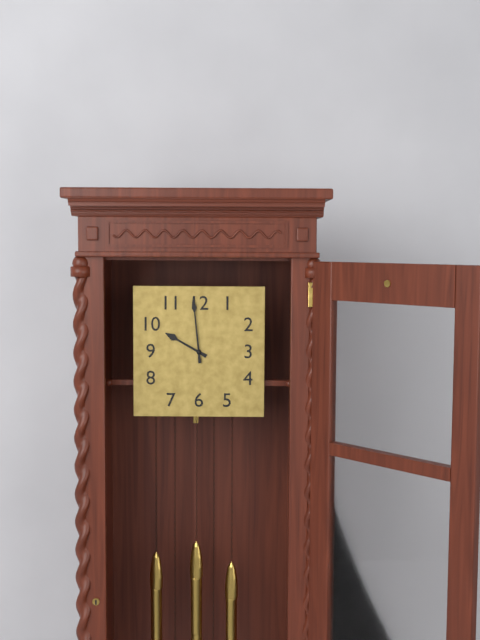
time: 9:59
